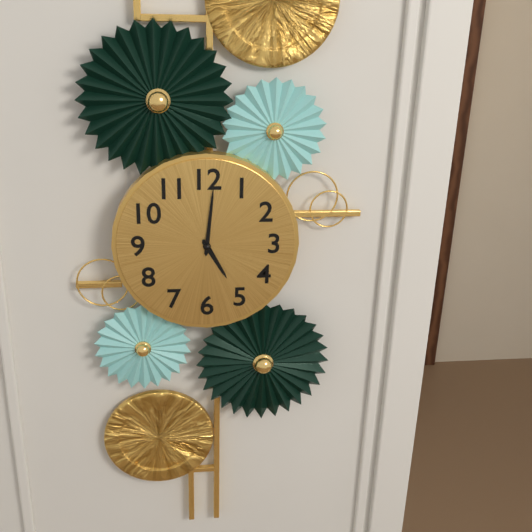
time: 5:01
